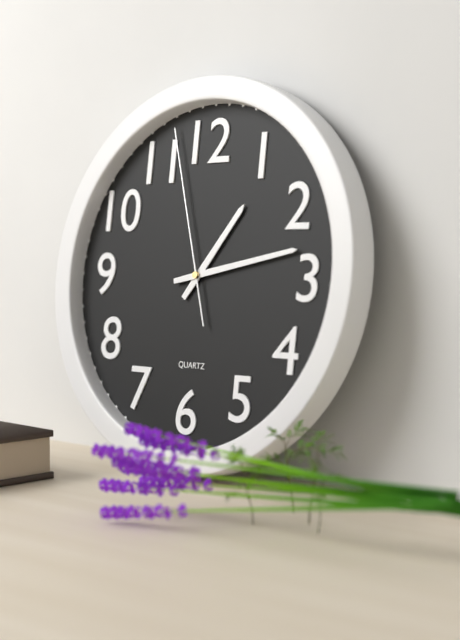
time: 1:13:57
